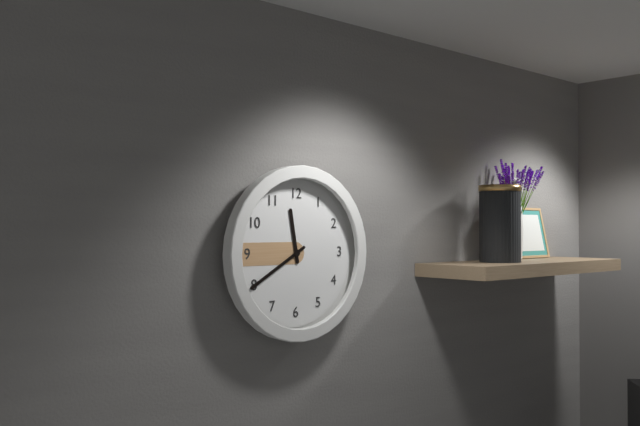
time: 11:40
